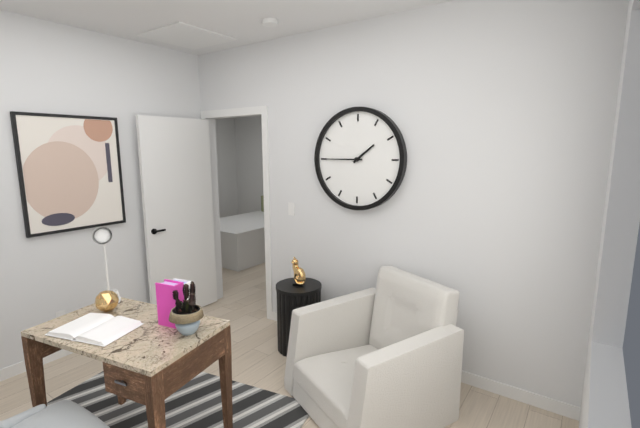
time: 1:45
